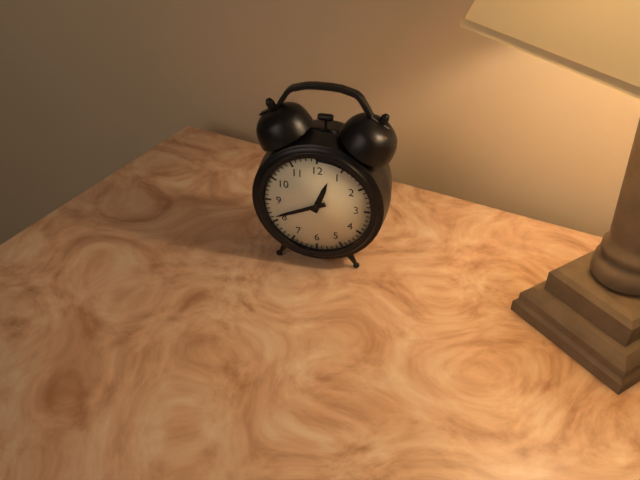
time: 12:41
